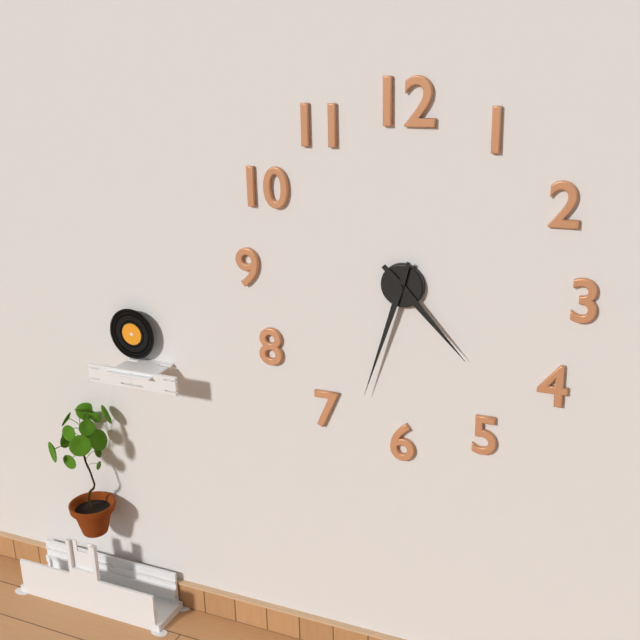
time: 4:33
